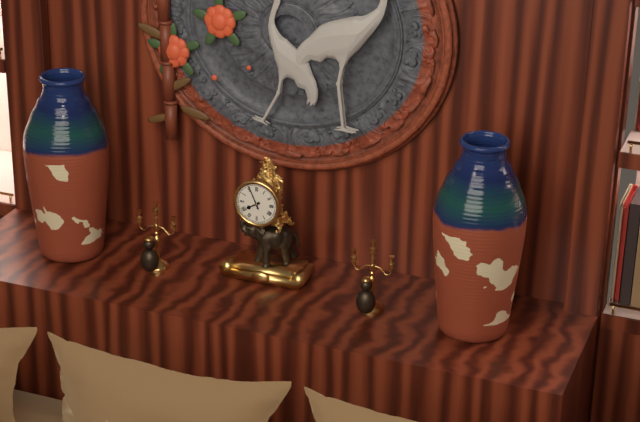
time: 7:56
